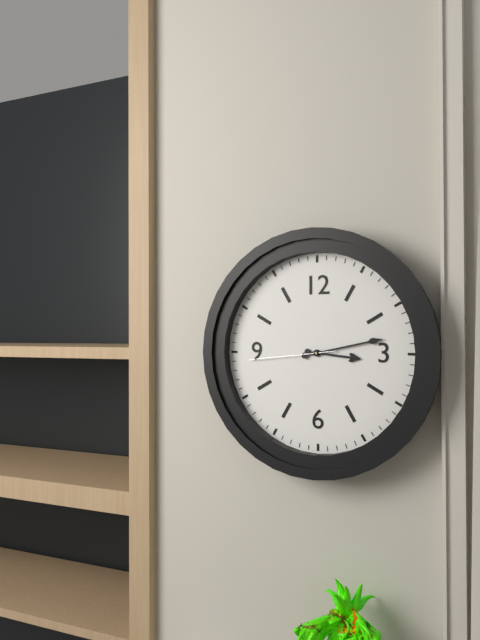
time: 3:13:44
